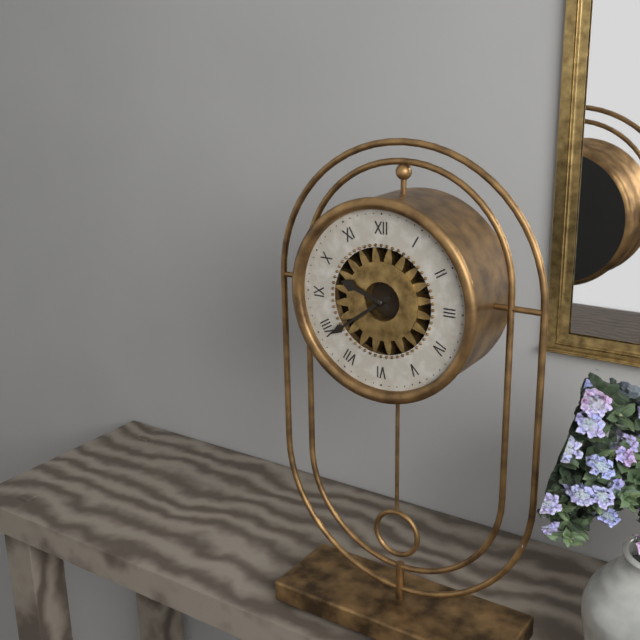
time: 9:39
